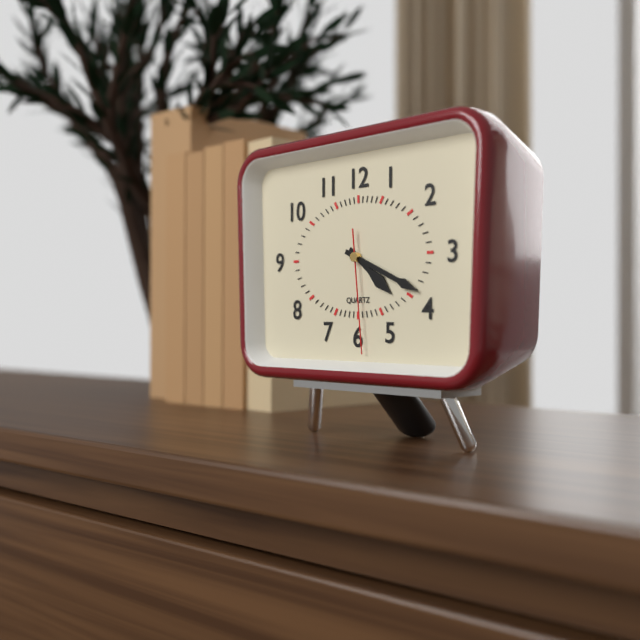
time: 4:19:29
